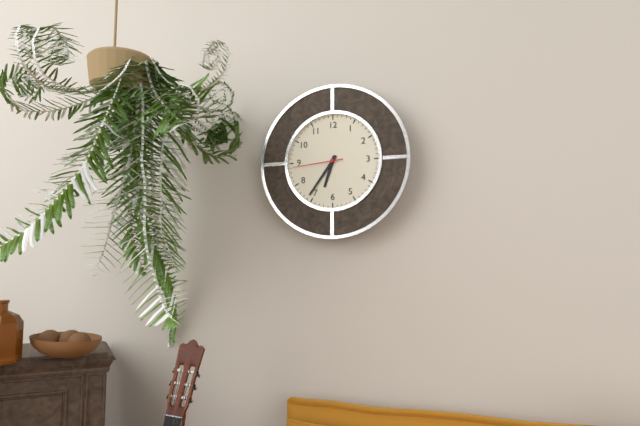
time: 6:36
